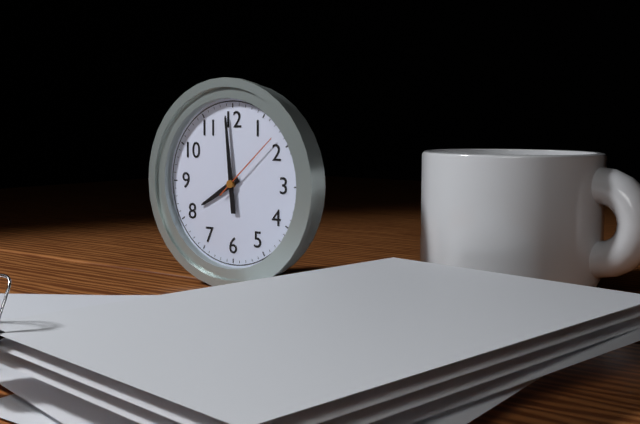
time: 7:59:08
